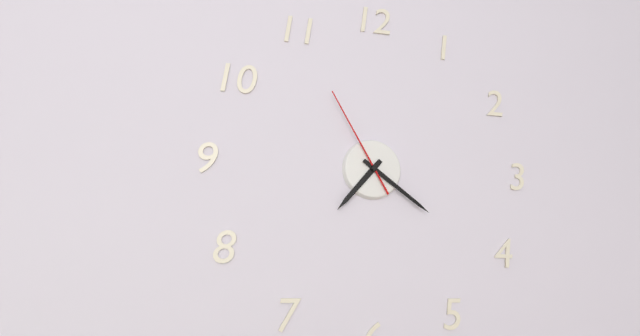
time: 7:21:55
